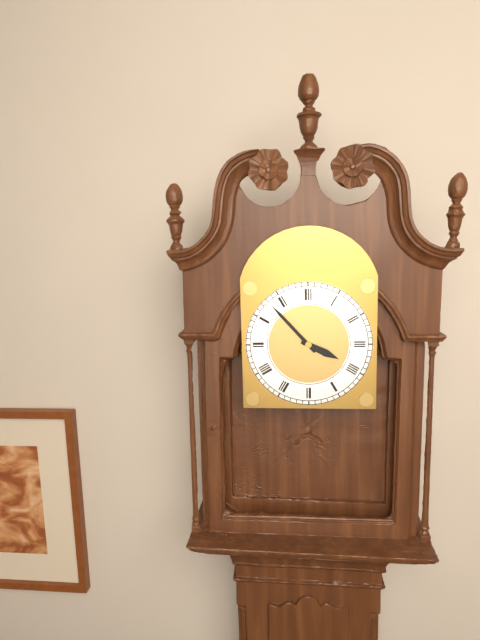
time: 3:53
